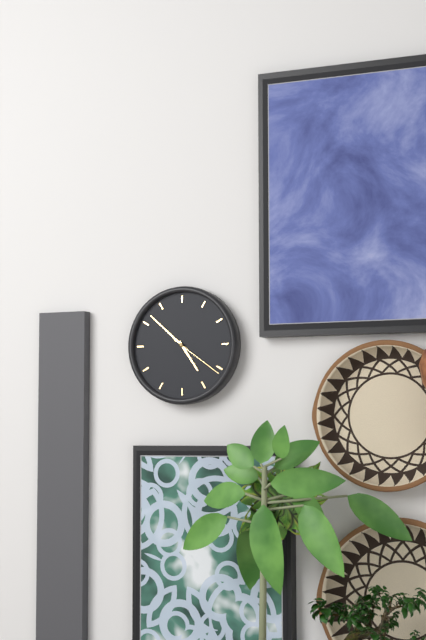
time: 4:52:21
